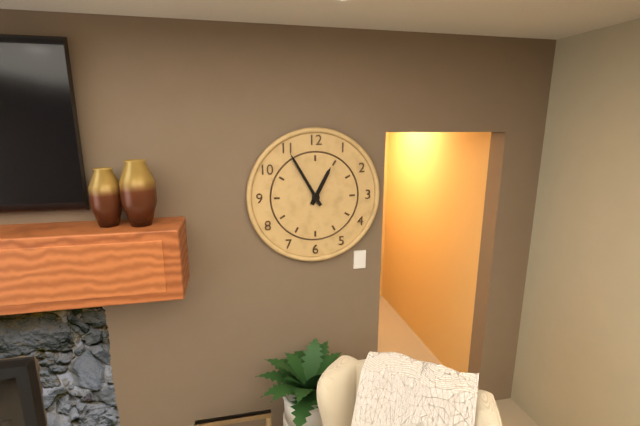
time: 12:55
